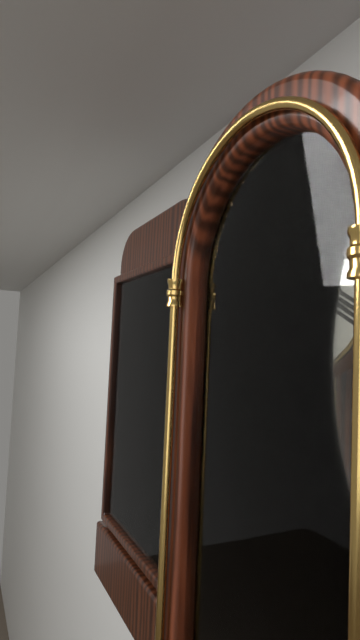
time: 7:20
